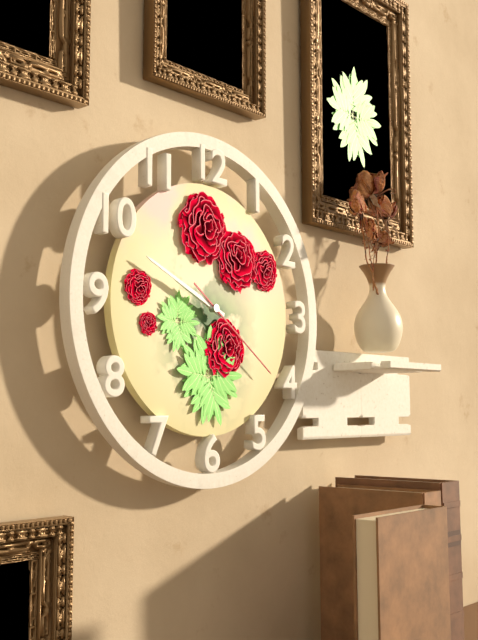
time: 9:49:21
